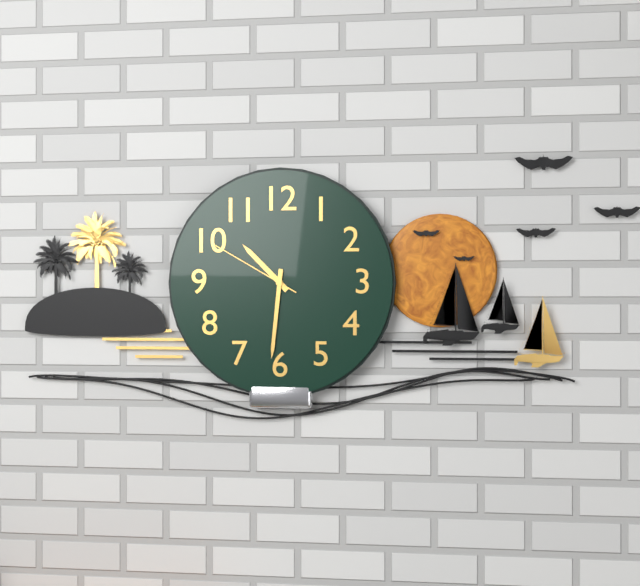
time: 10:31:50
